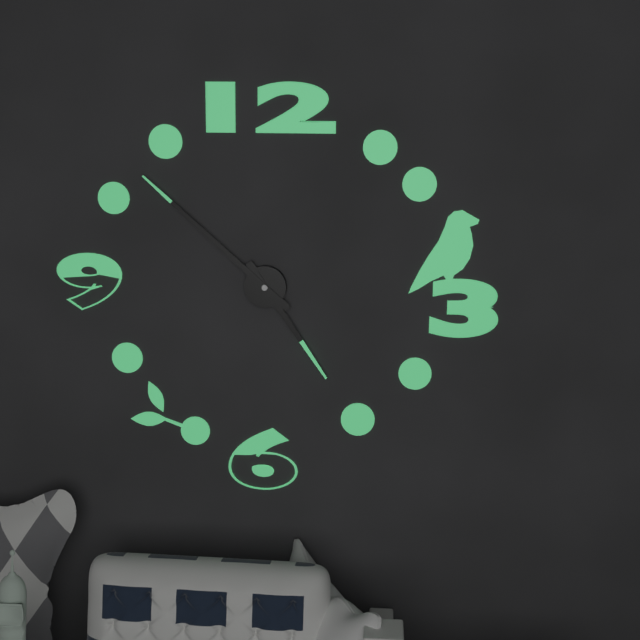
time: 4:52
